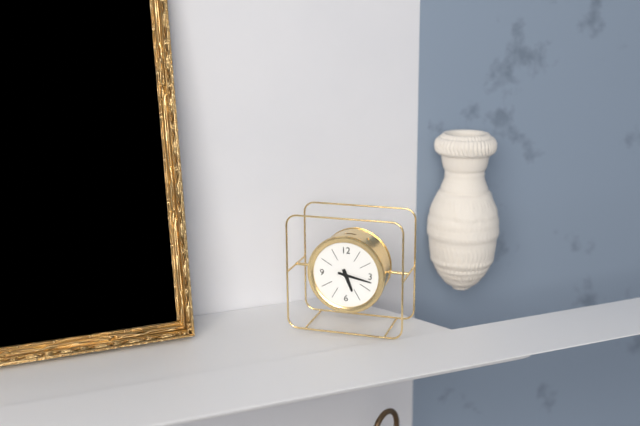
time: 5:17
